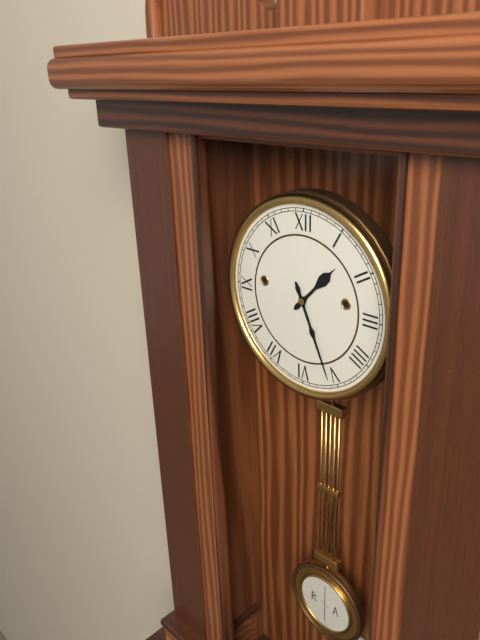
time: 1:26
